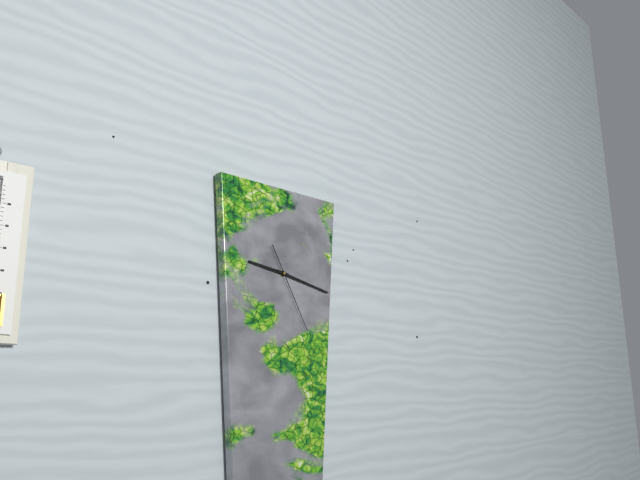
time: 9:17:25
